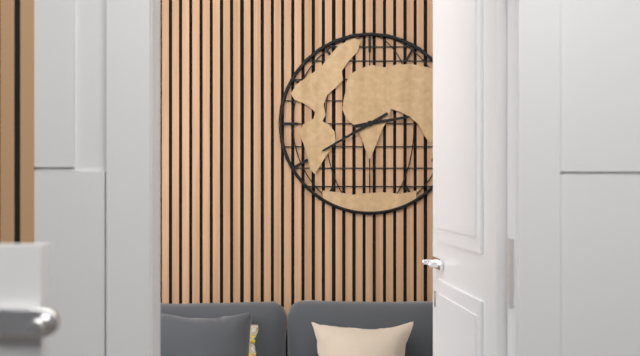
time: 2:40
